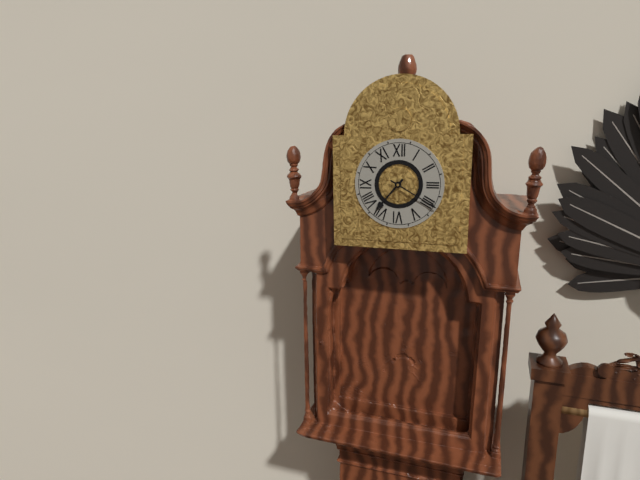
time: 7:20
